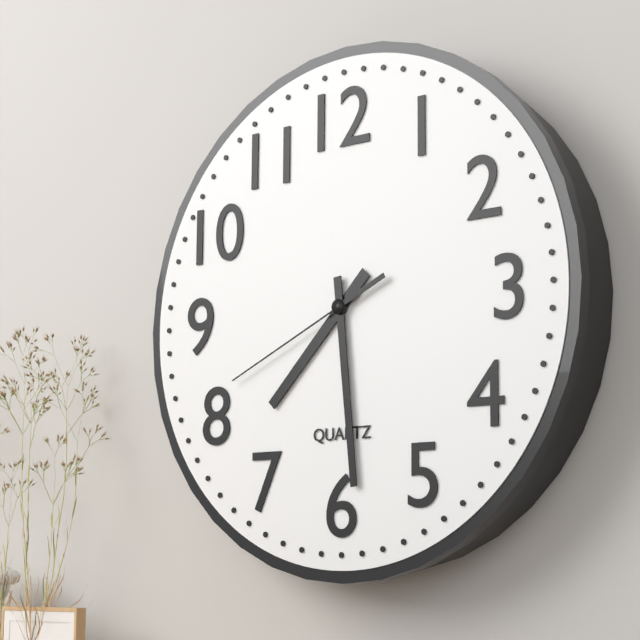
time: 7:29:41
